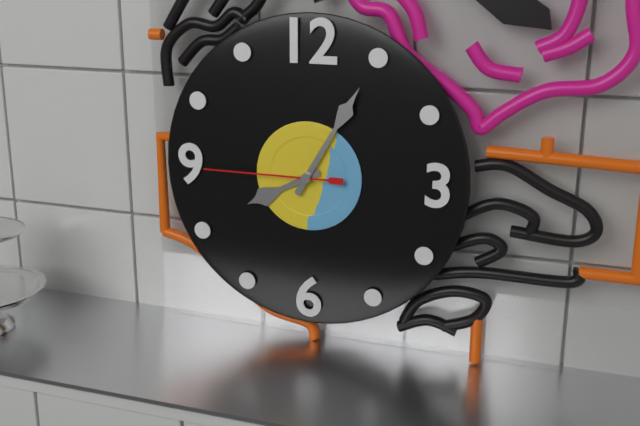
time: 8:05:45
